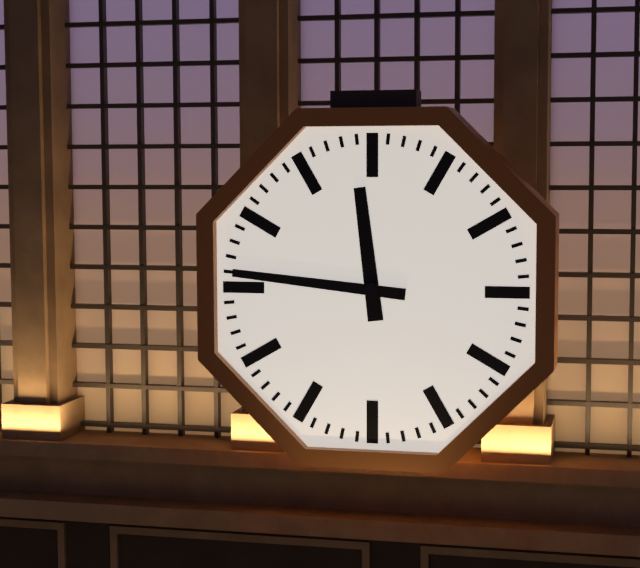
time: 11:46
